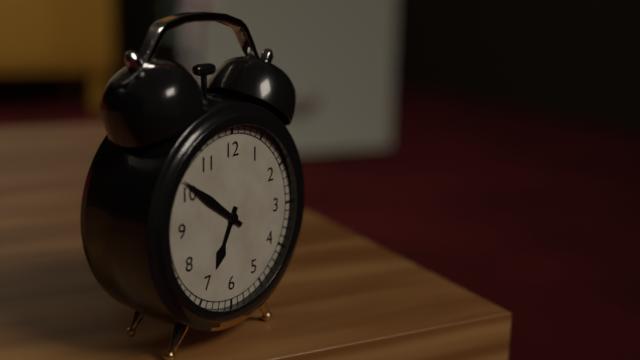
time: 6:51
